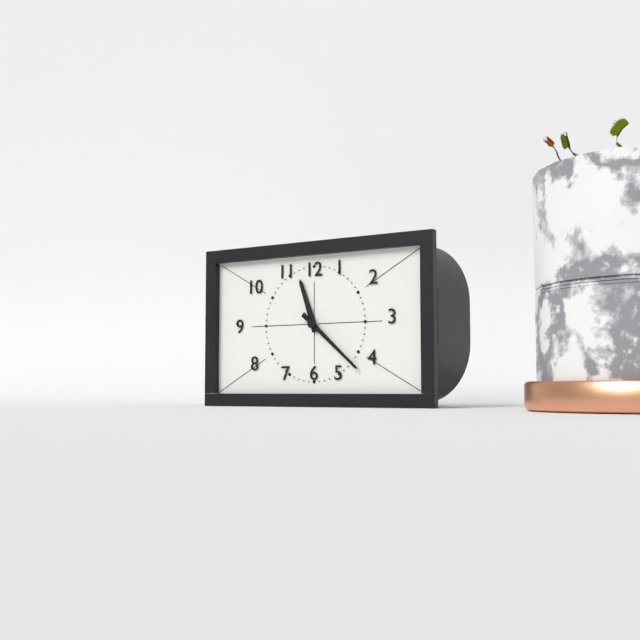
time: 11:22
